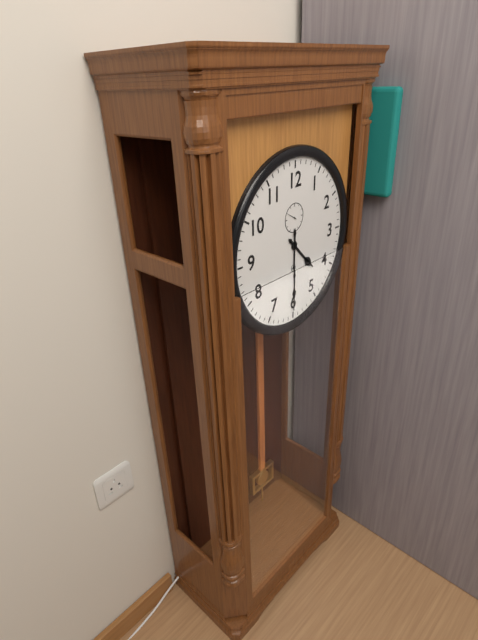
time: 4:30
